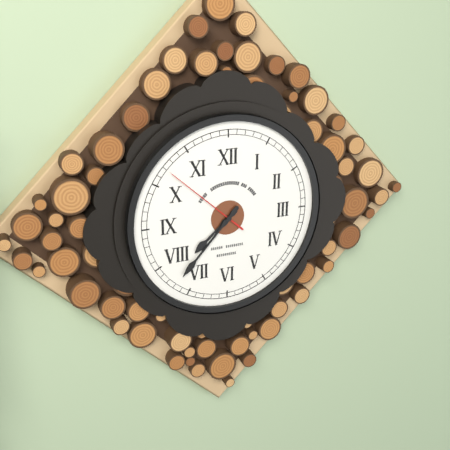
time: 7:37:52
